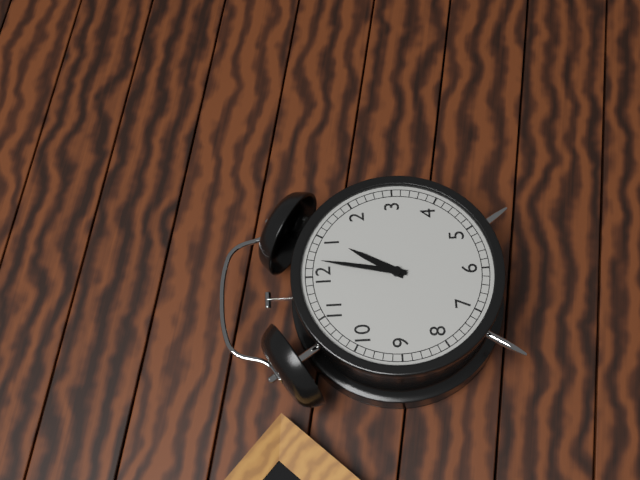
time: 1:02
